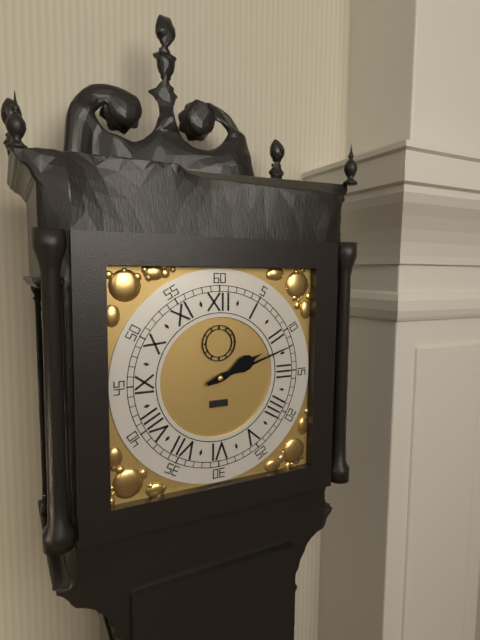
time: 2:12
